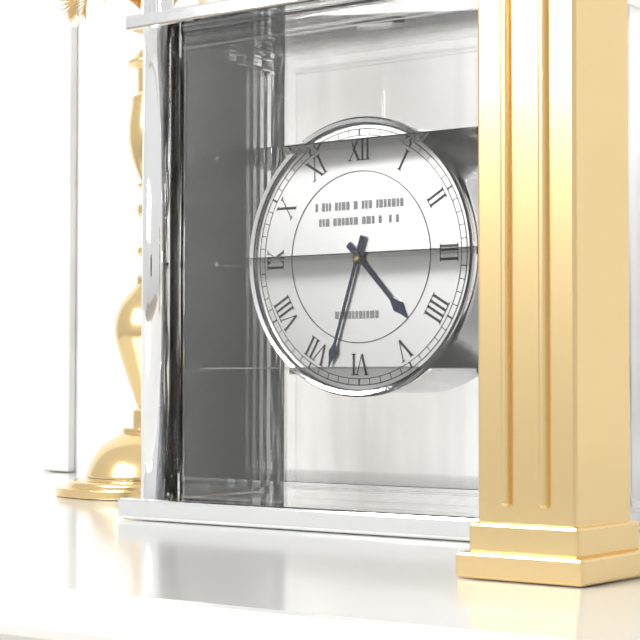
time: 4:33
